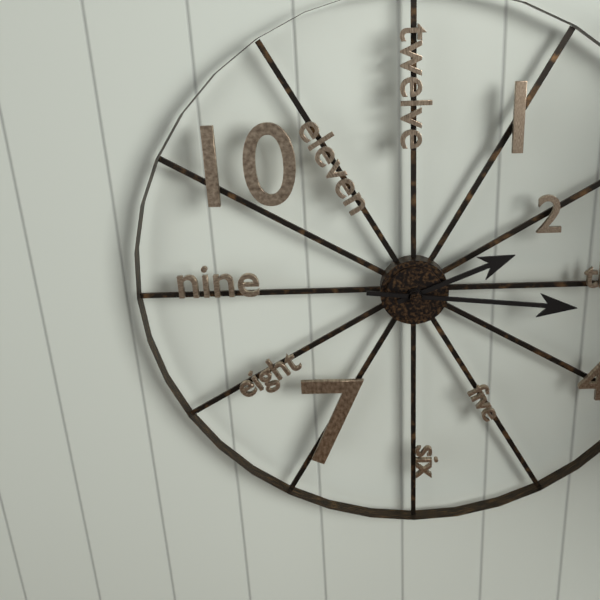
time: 2:16
